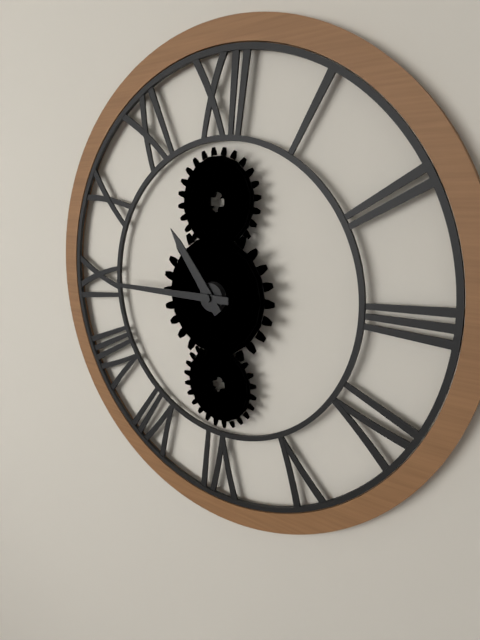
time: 10:45
